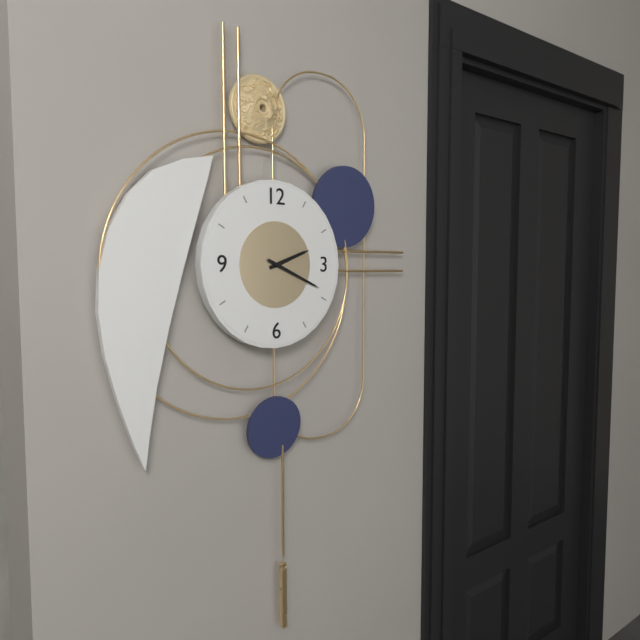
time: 2:19
